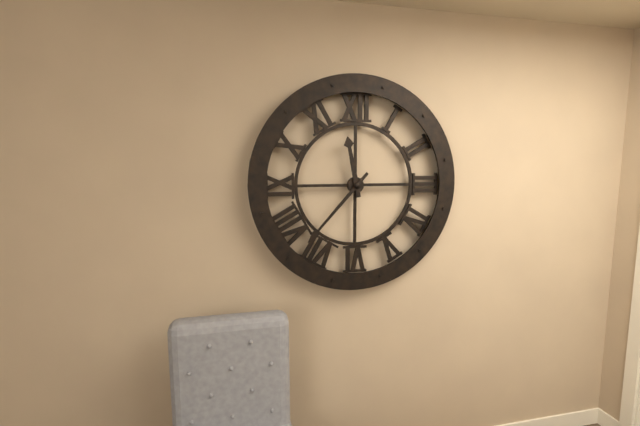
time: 11:37
